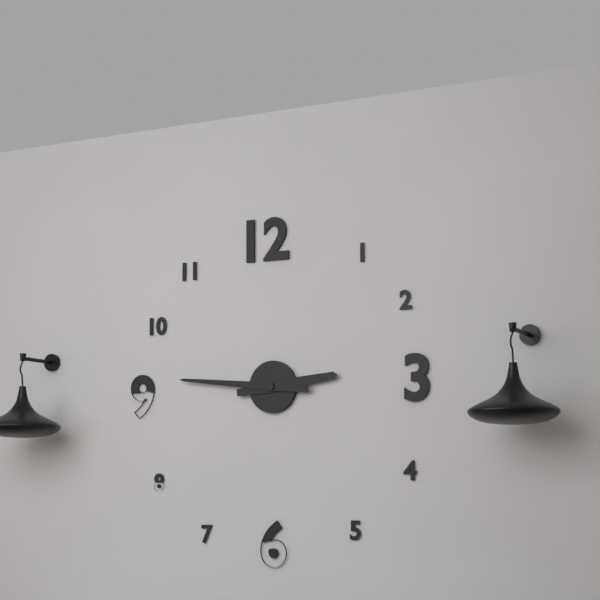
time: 2:46
